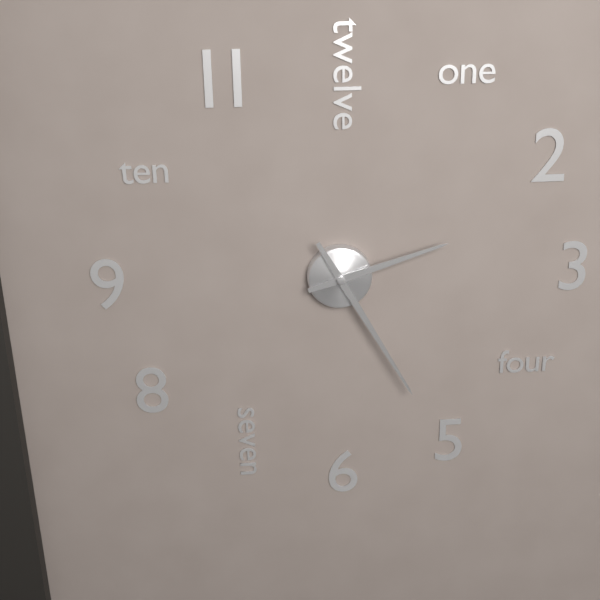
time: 2:25
